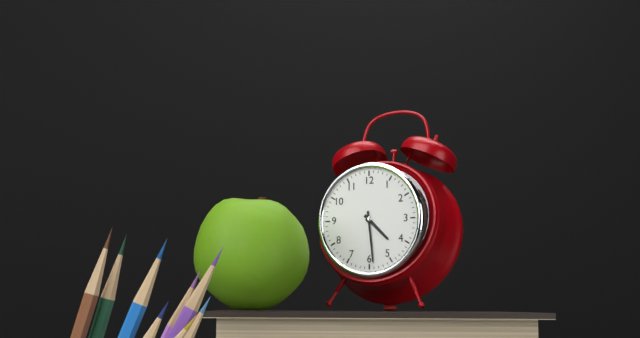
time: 4:29
